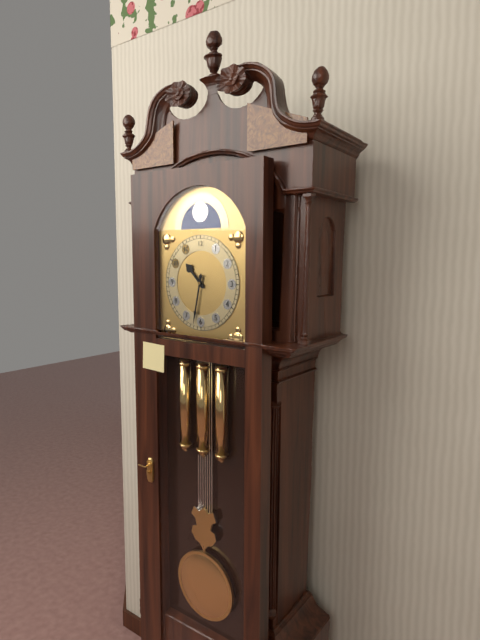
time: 10:32
